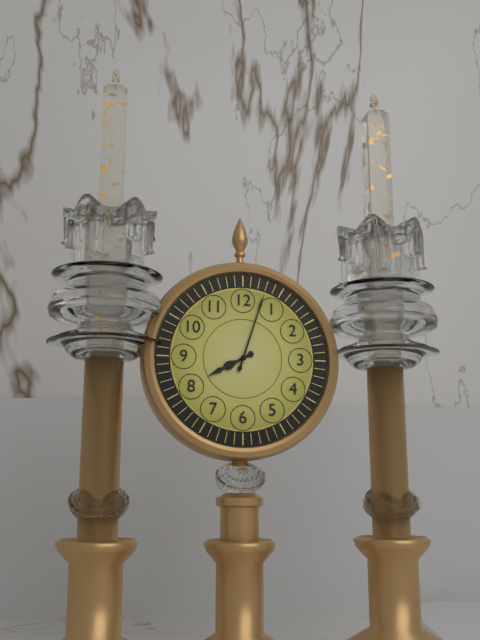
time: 8:03
